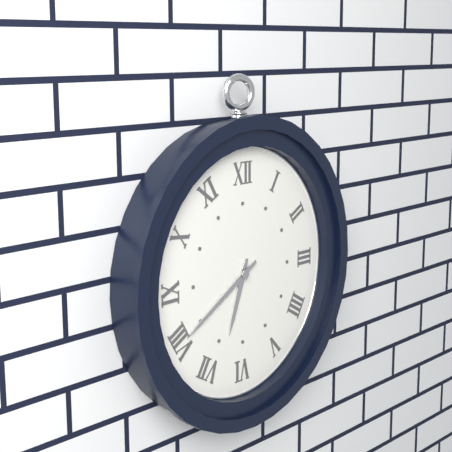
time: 6:40
